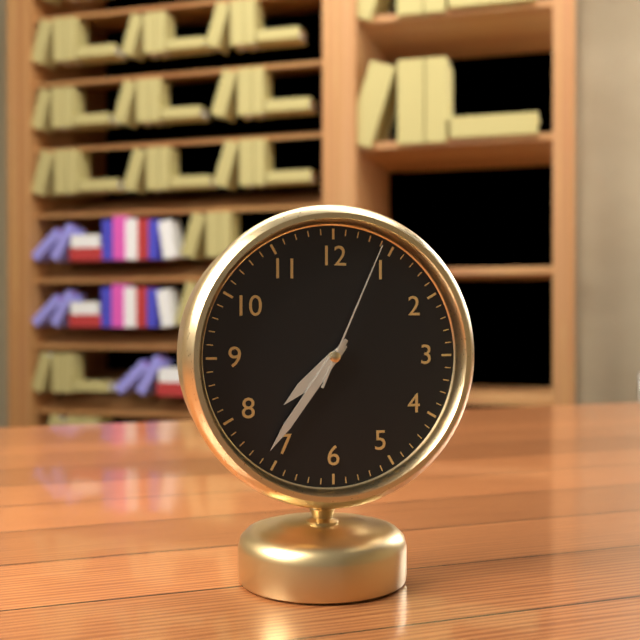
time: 7:36:04
